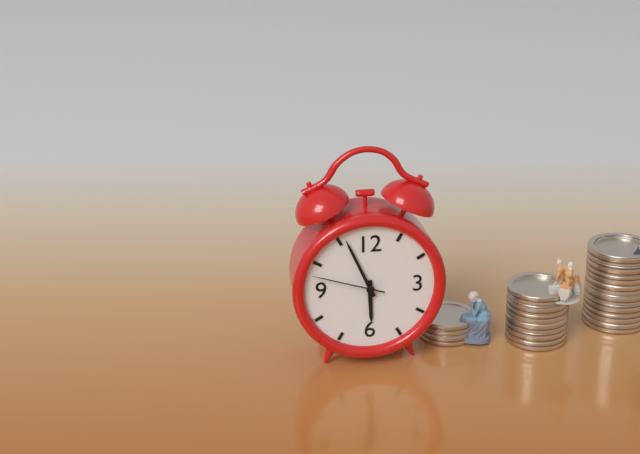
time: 5:56:48
